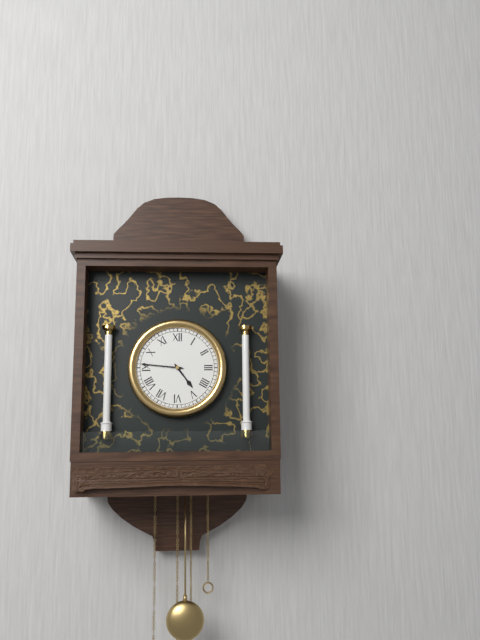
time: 4:46
